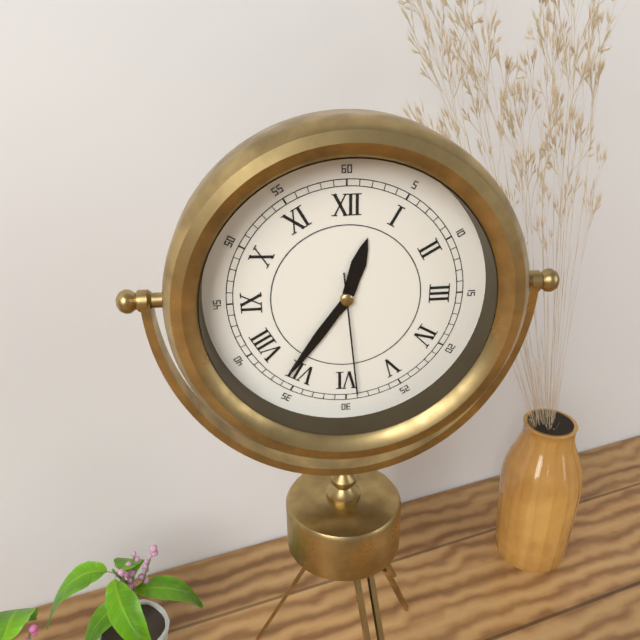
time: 12:36:29
